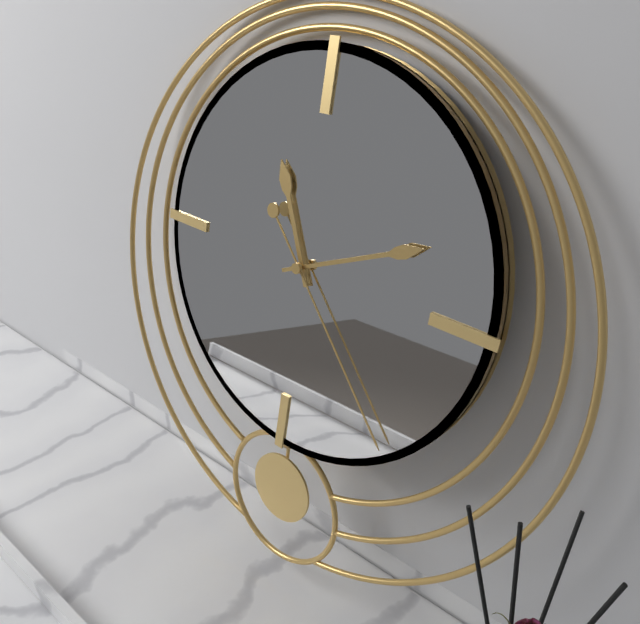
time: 11:11:23
